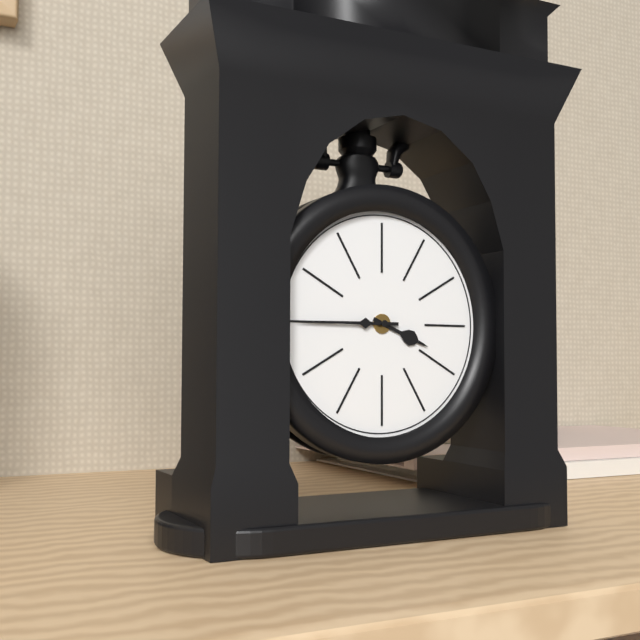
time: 3:45
